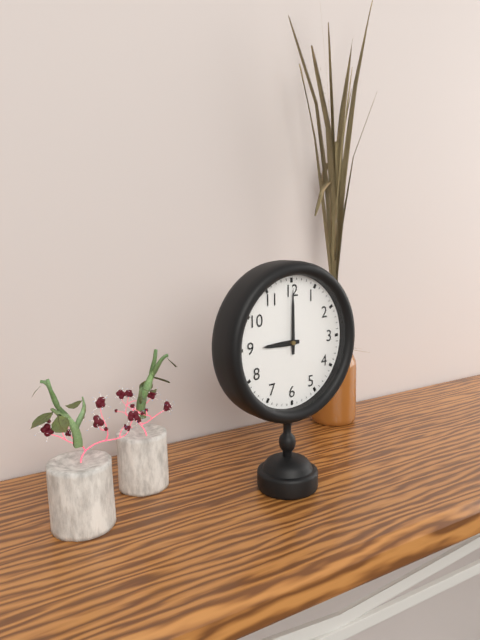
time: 9:00
